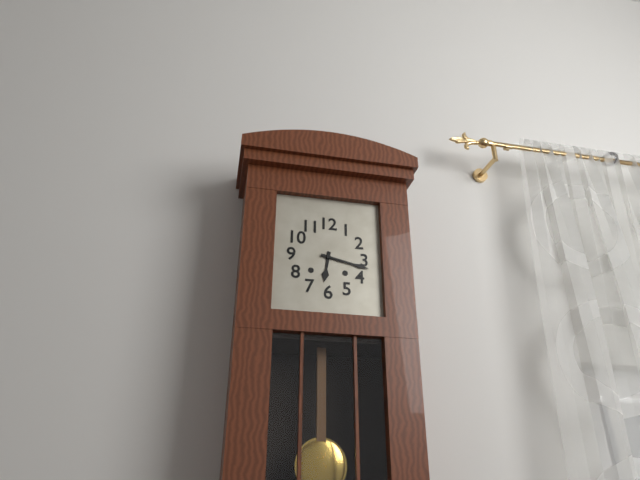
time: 6:17
